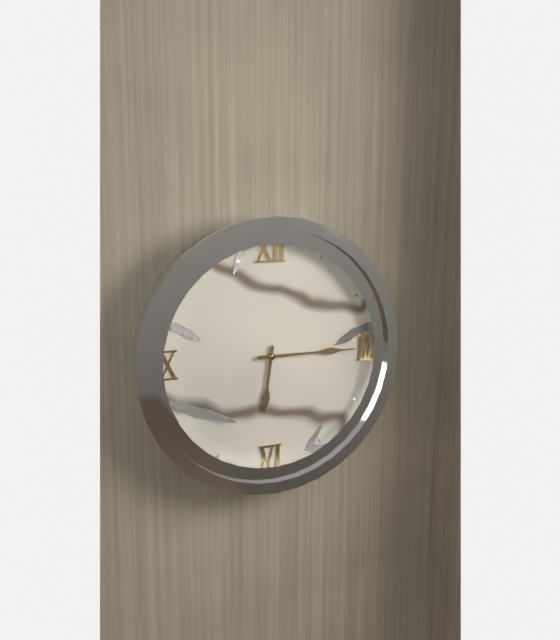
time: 6:15
